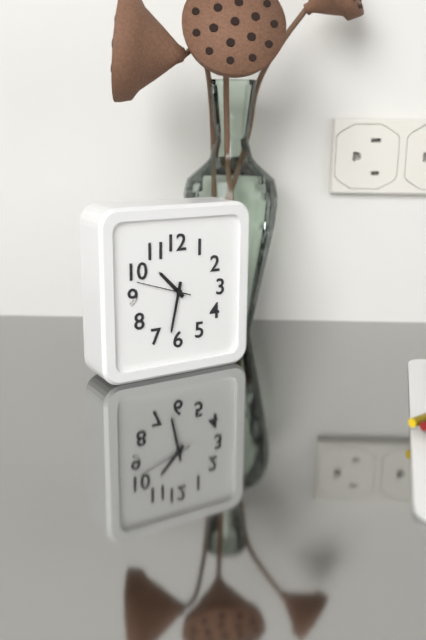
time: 10:32:48
